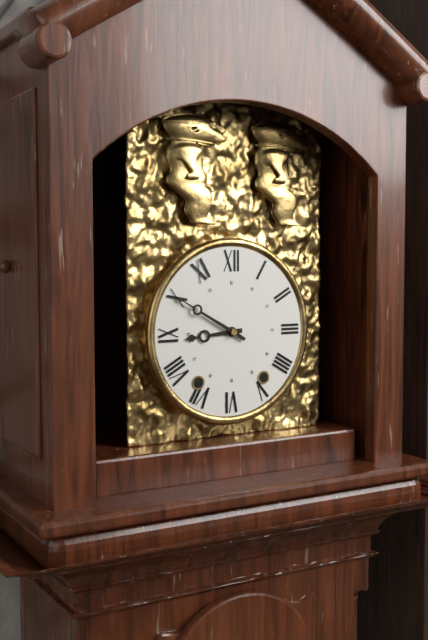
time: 8:50
